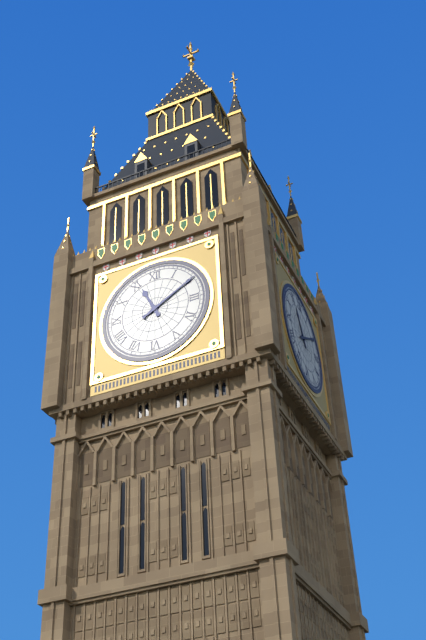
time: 11:10
